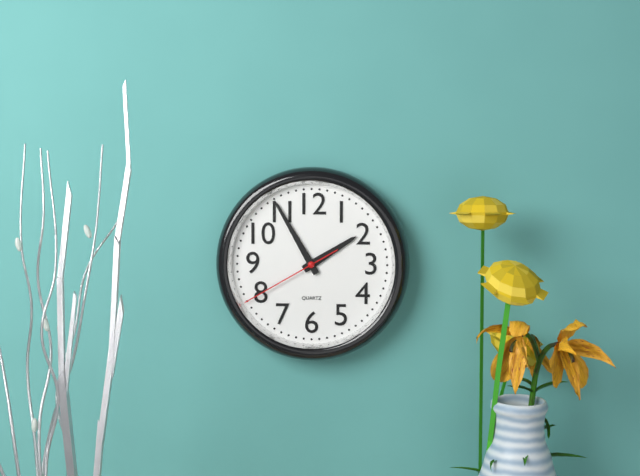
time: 1:55:40
